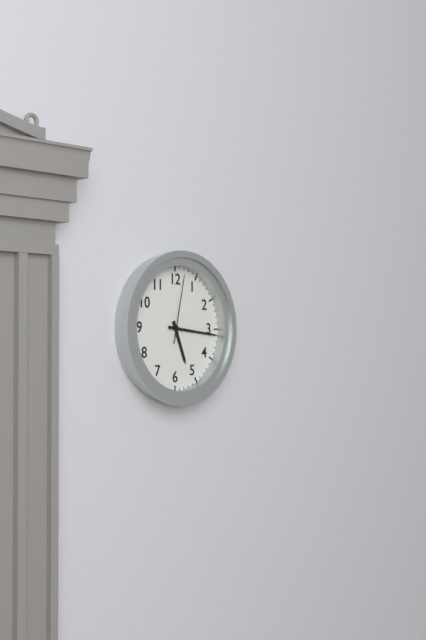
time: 5:16:02
